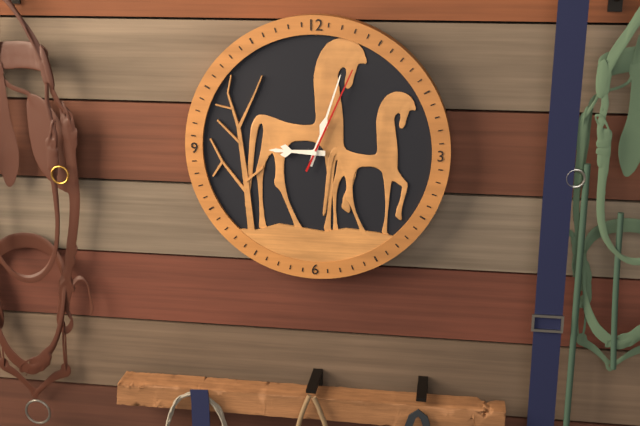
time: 9:03:04
